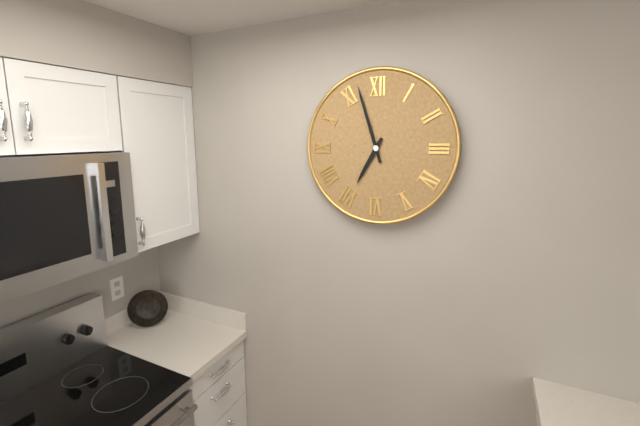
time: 6:57
